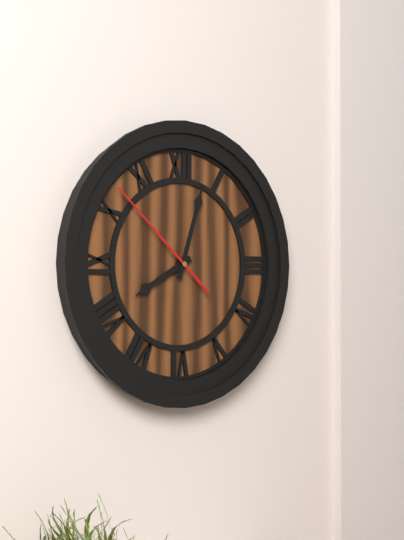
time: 8:03:52
